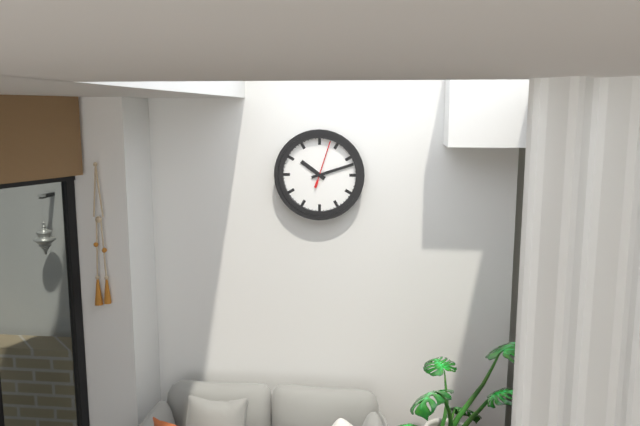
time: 10:12
